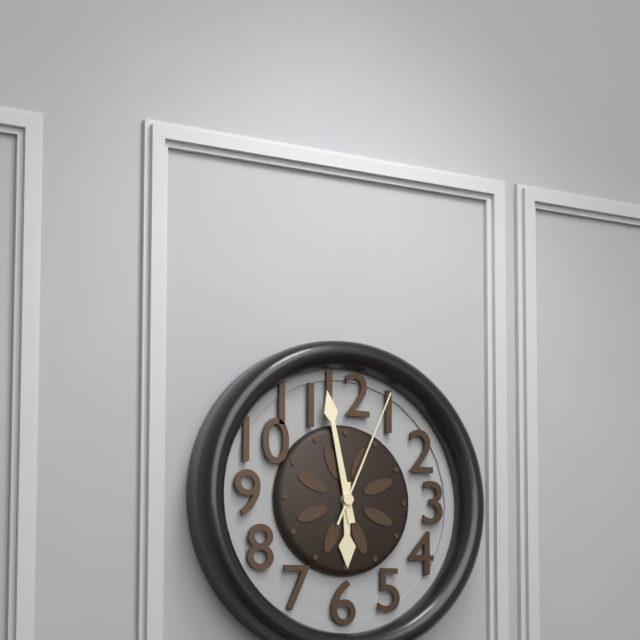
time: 5:58:04
